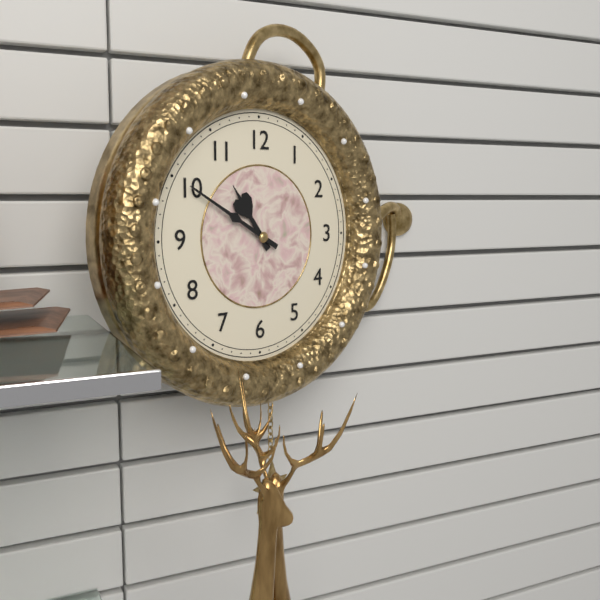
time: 10:50
